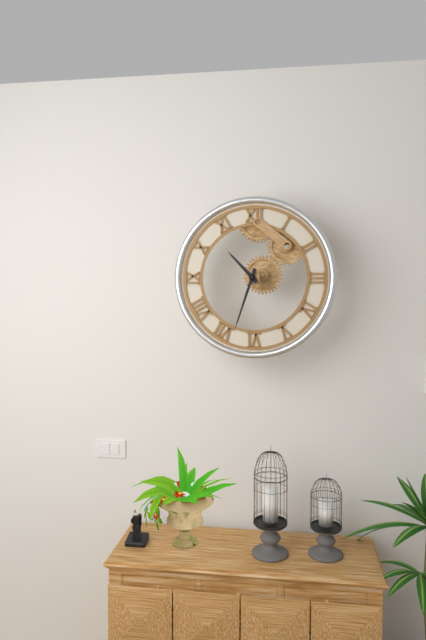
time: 10:33
